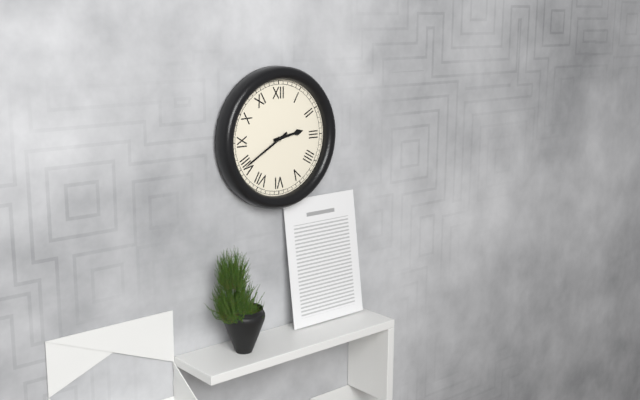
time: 2:40
